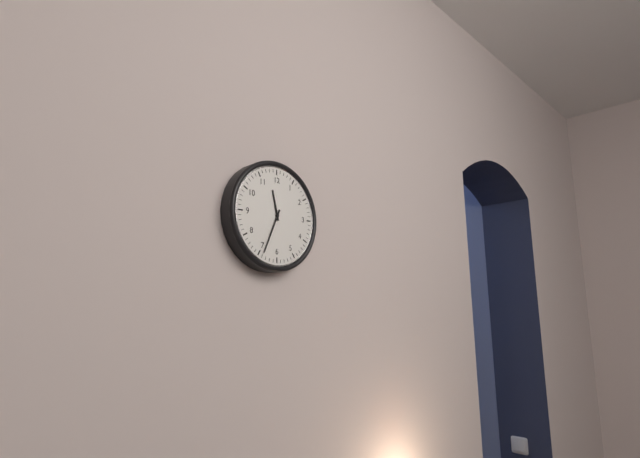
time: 11:34
